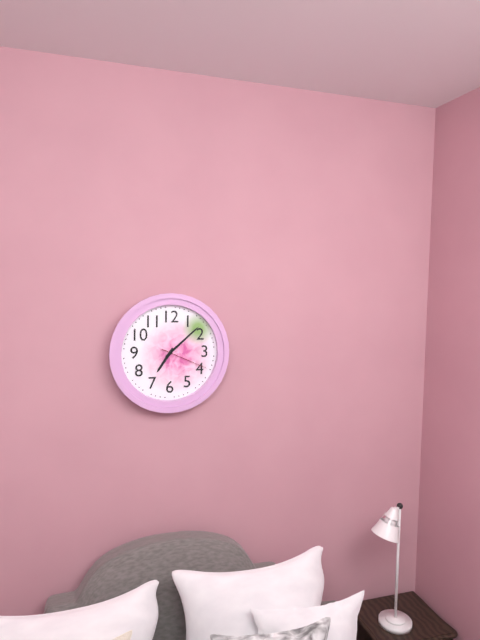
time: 7:08
